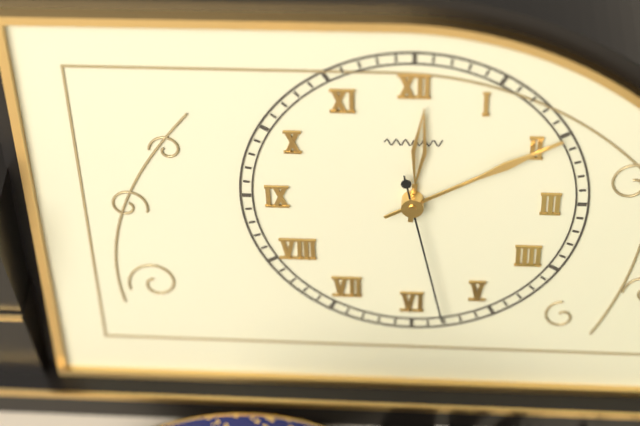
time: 12:10:28
